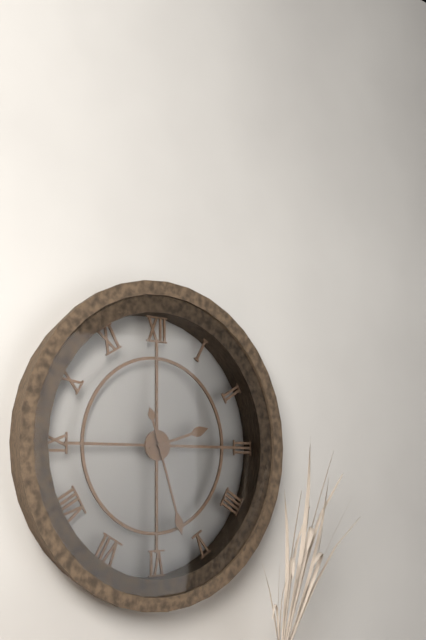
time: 2:27
